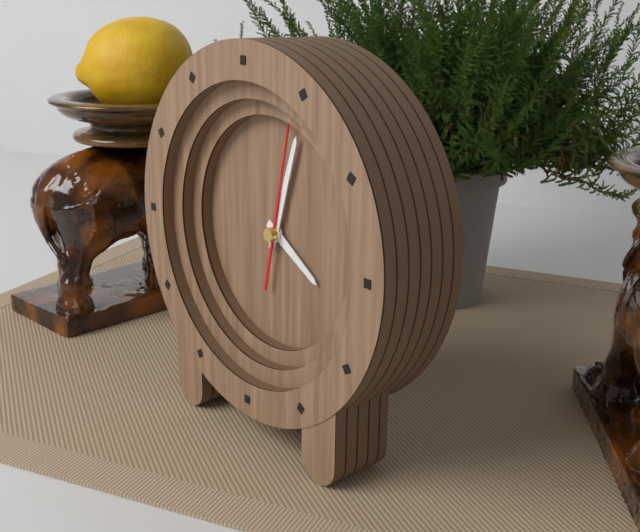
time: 4:03:02
